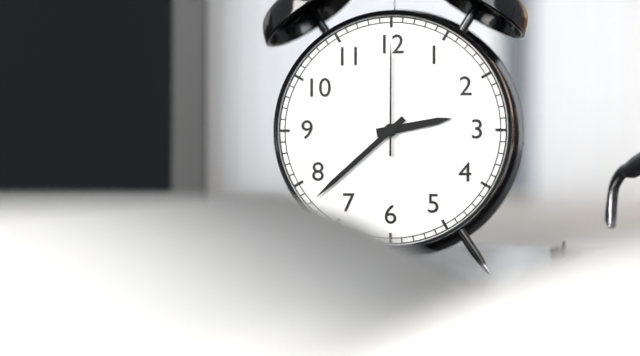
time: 2:38:00
